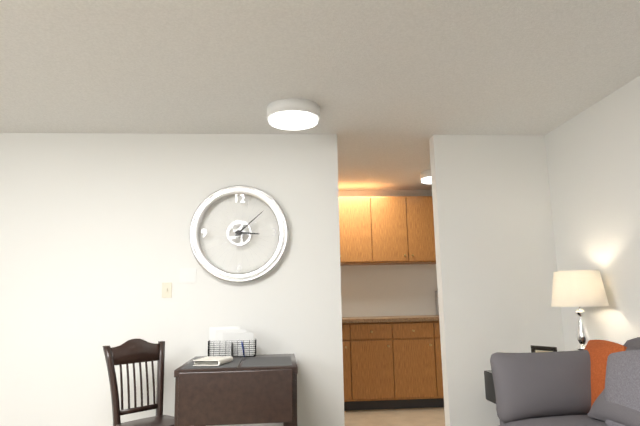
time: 3:08
